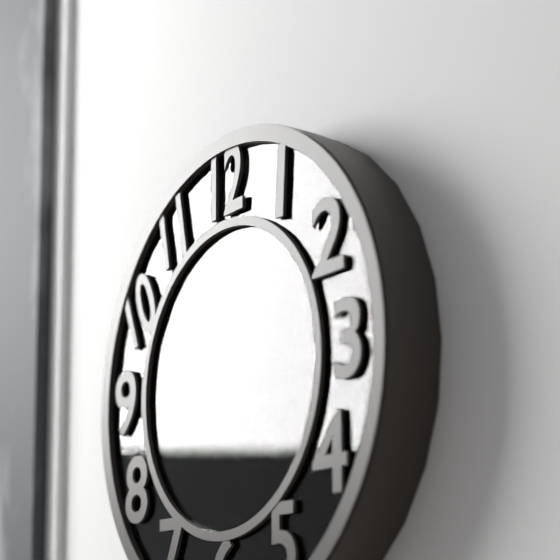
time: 4:48
